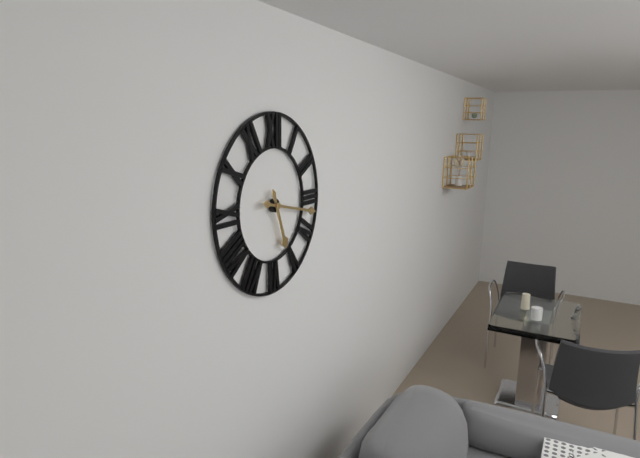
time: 5:17
